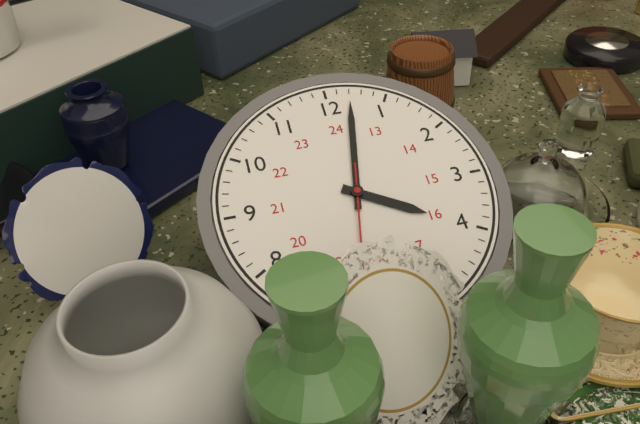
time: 4:02
